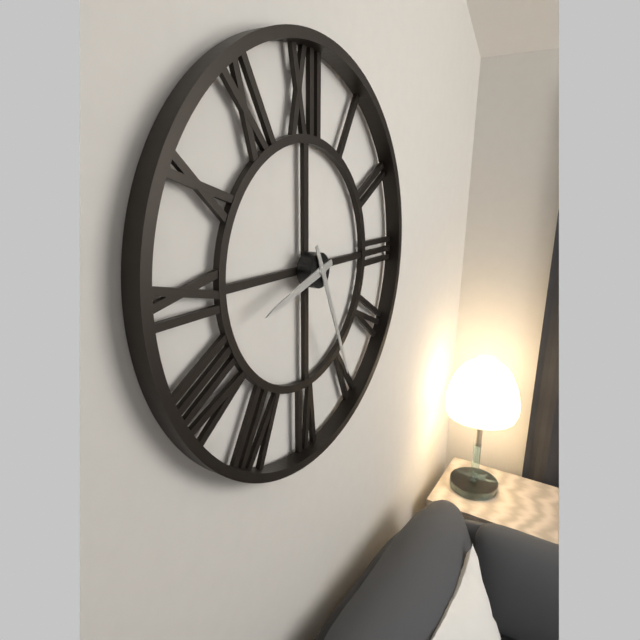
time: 8:26
